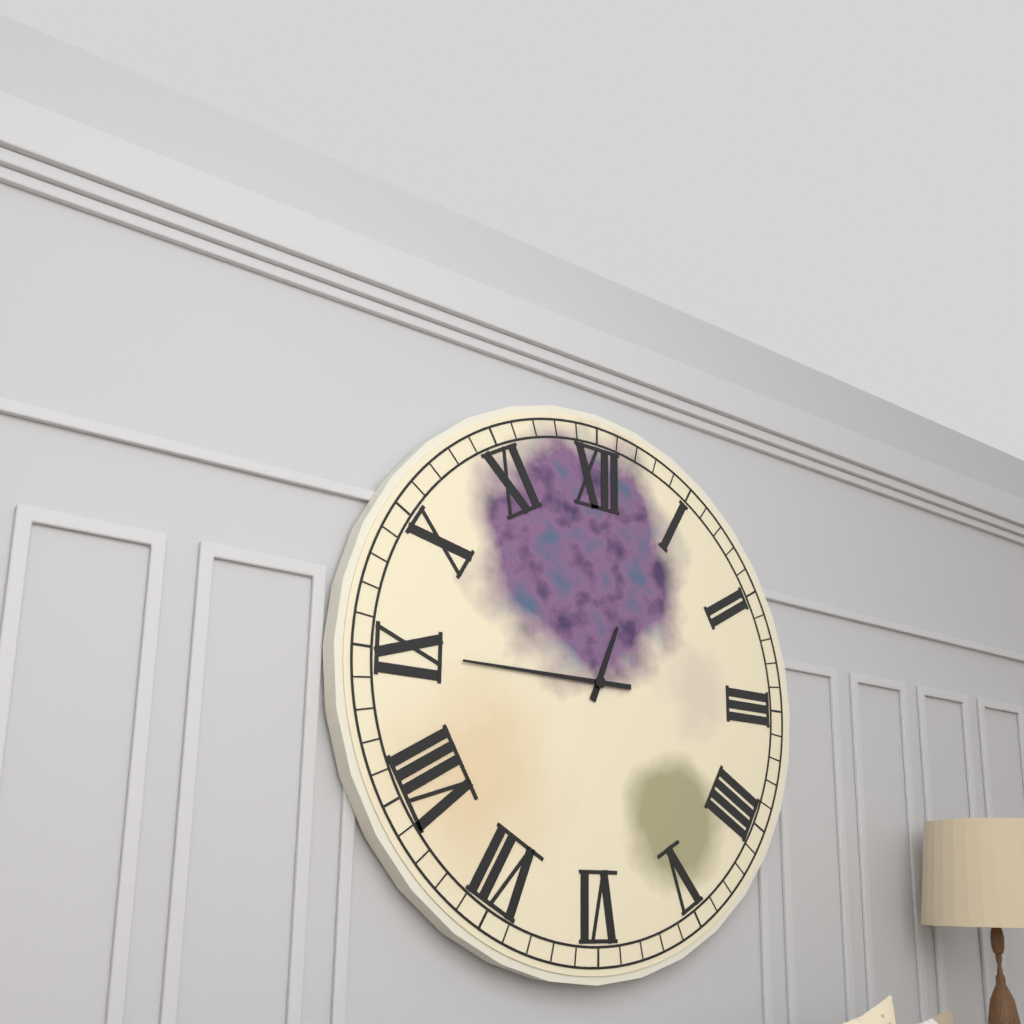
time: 12:45
